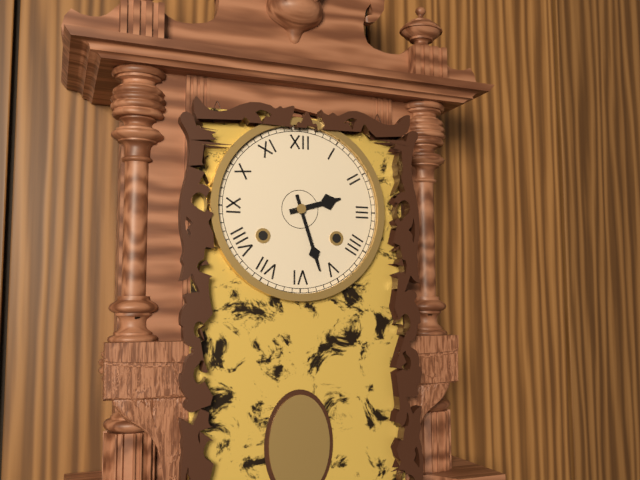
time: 2:27
